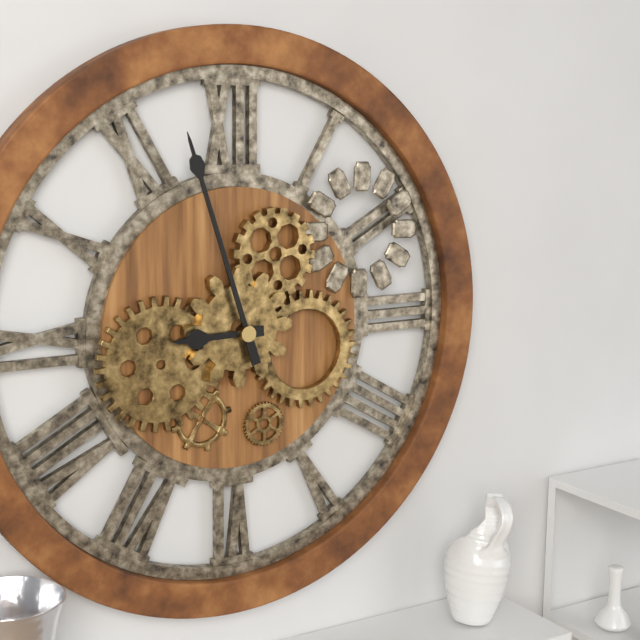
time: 8:57
